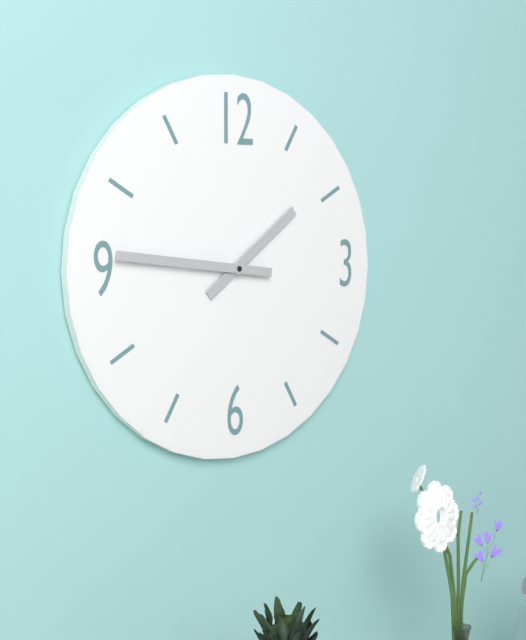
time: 1:46
